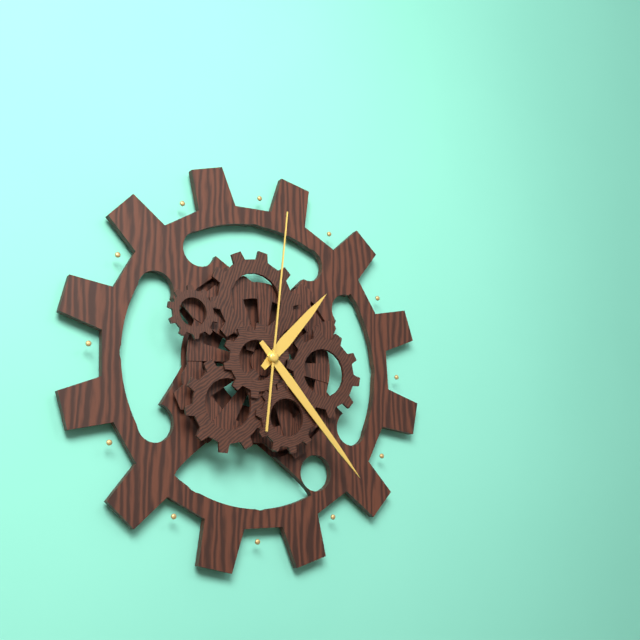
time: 1:23:01
